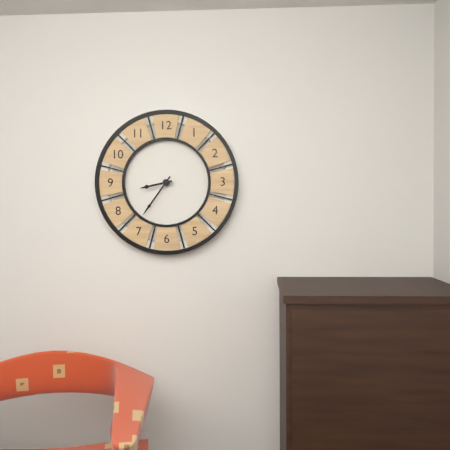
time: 8:36
